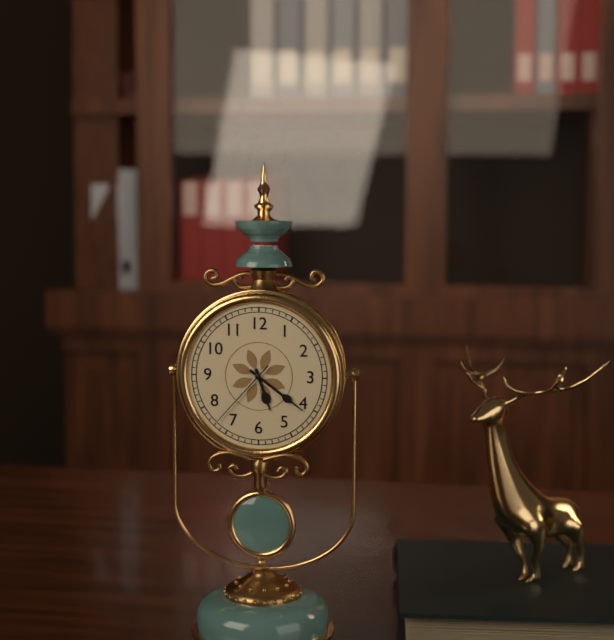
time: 5:21:37
